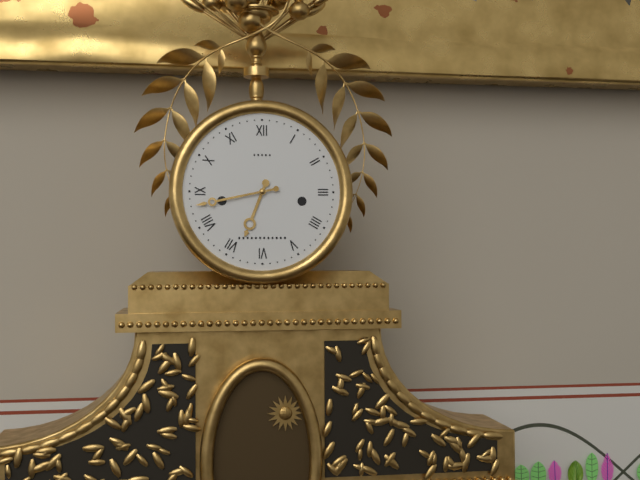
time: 6:43
